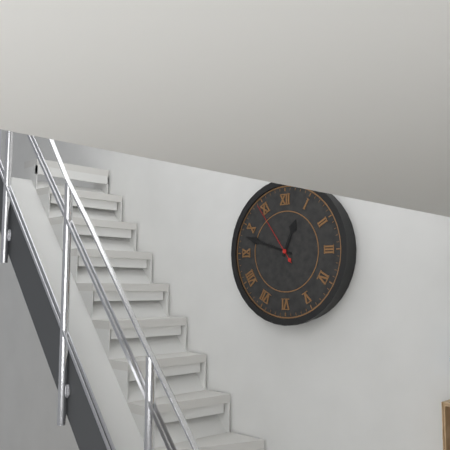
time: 12:48:54
